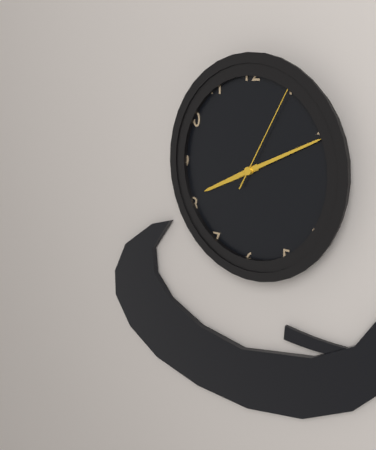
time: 8:11:05
